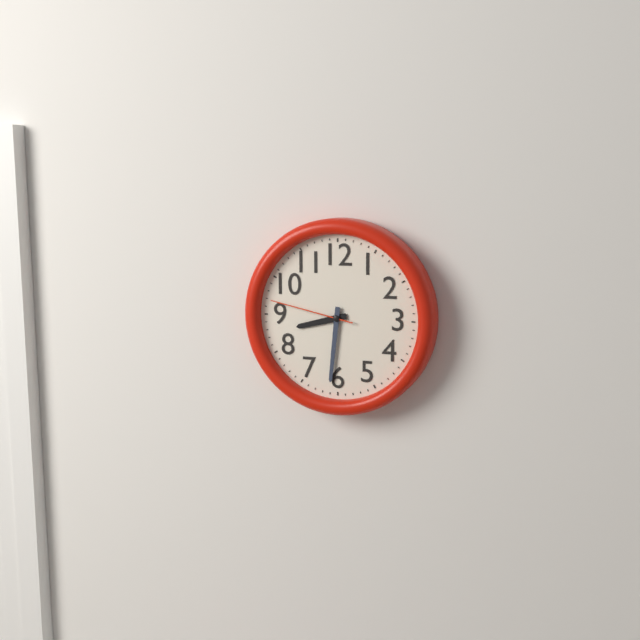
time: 8:31:47
